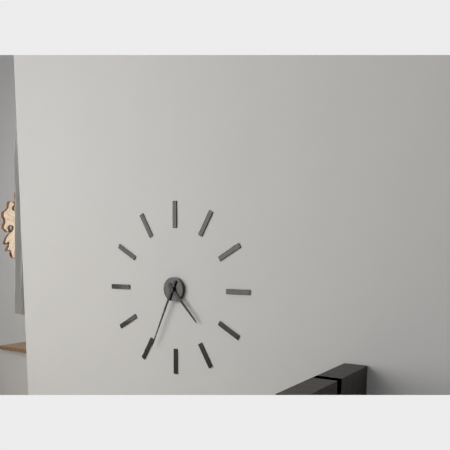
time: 4:34
